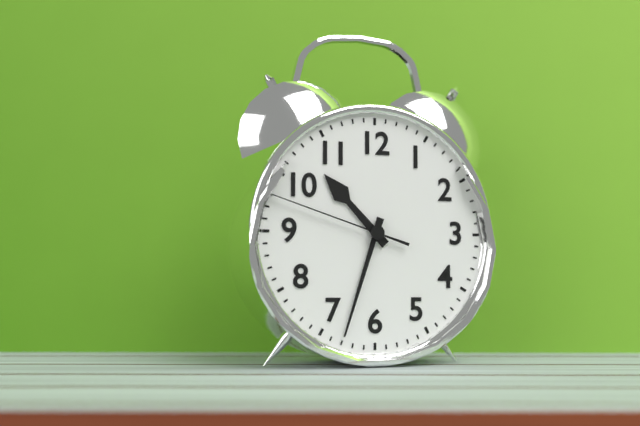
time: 10:33:48
